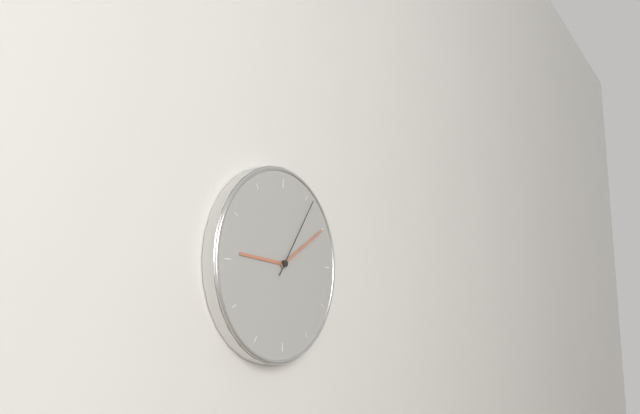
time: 9:10:06
